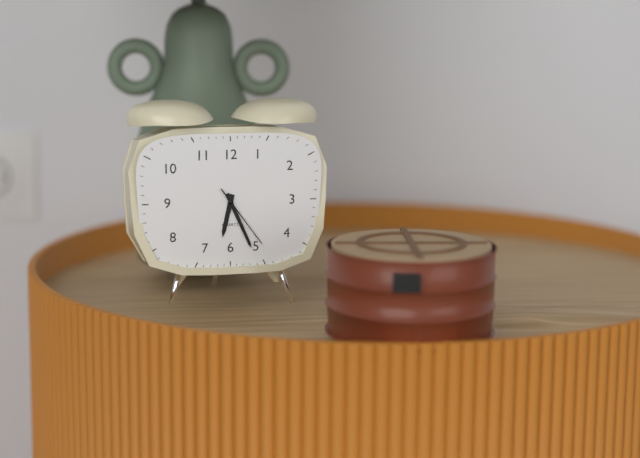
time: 6:26:24
